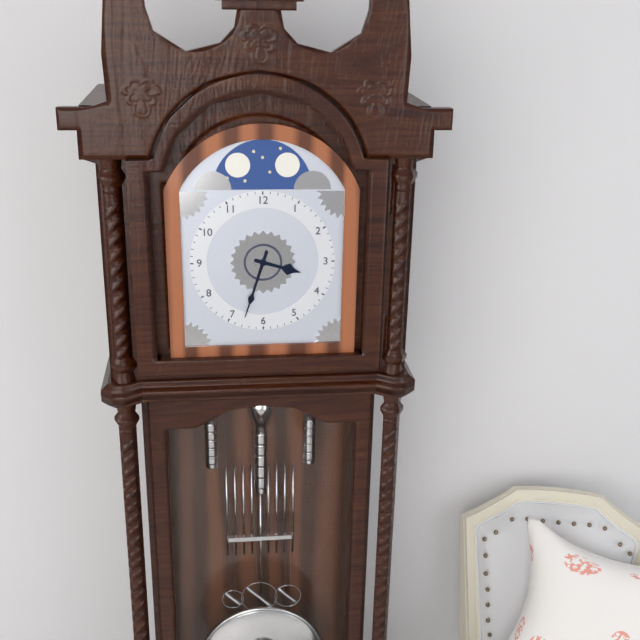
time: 3:33
